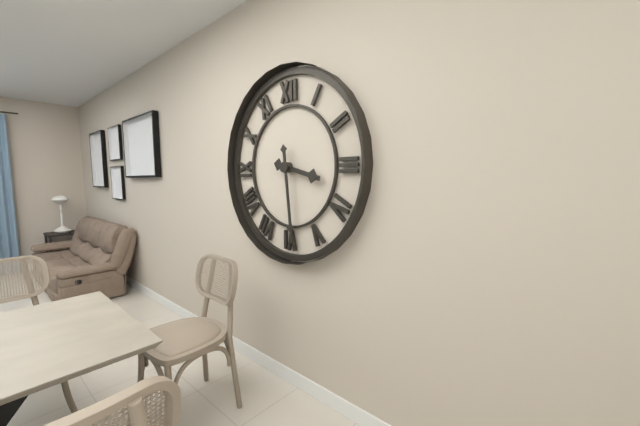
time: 3:29
